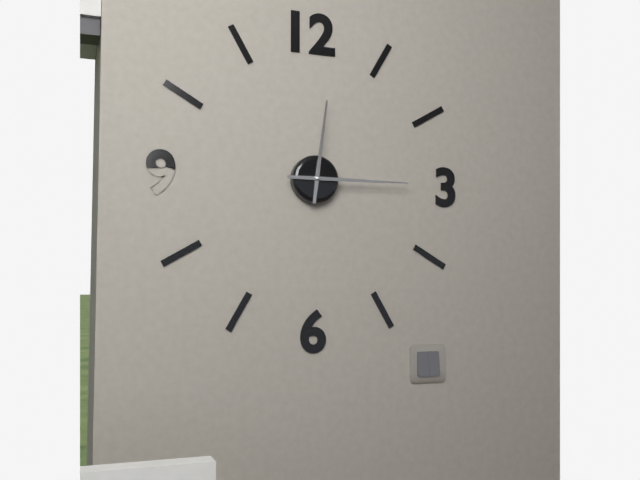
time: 12:15
